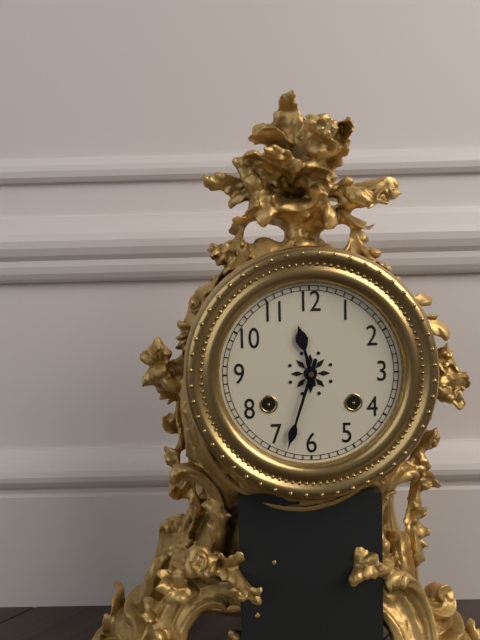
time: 11:33
